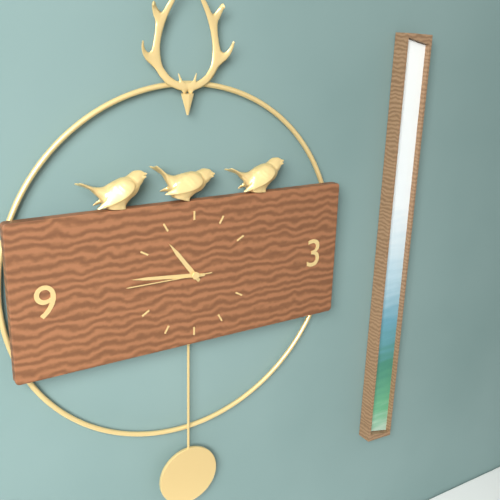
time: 10:46:45
